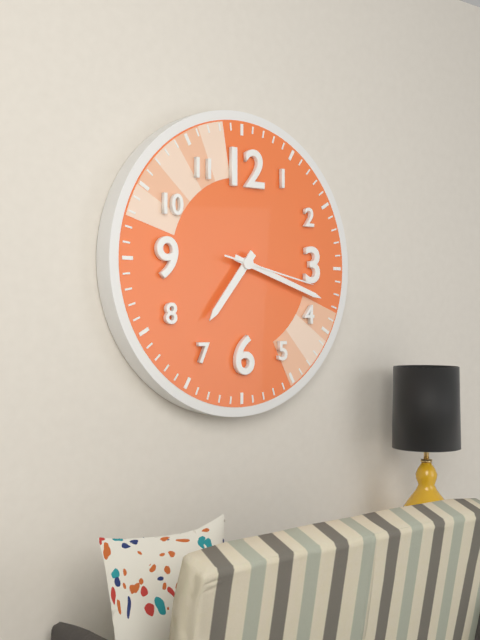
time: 7:18:17
